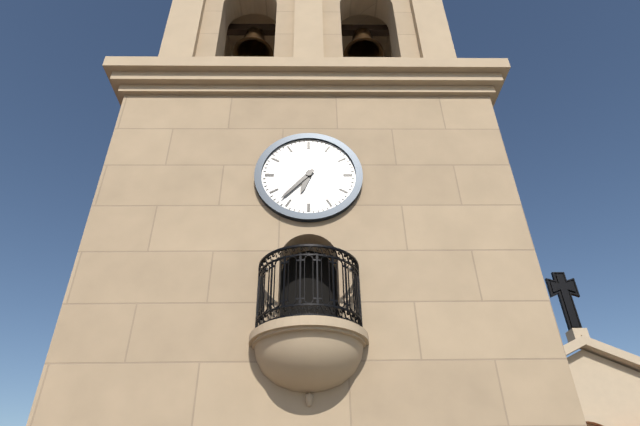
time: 6:37
